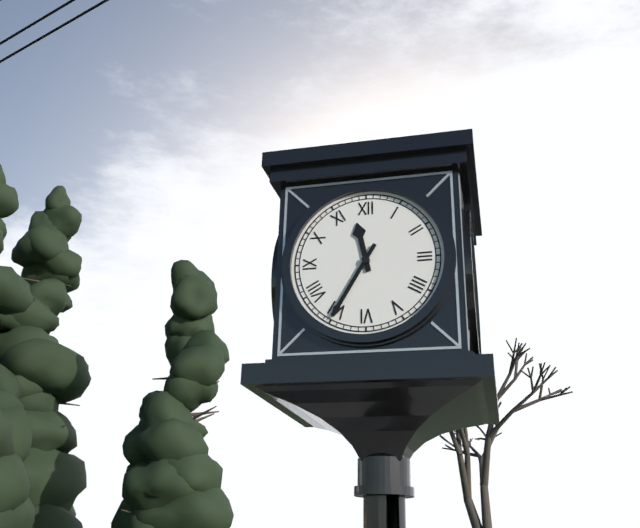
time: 11:35
